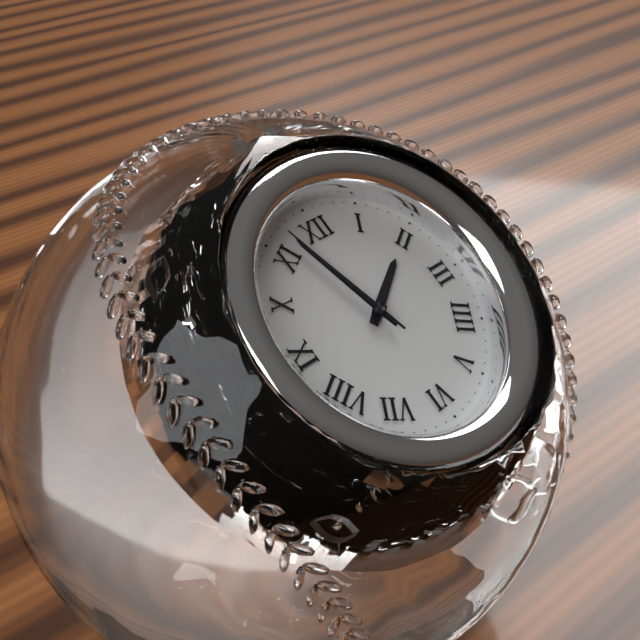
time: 1:57:57
